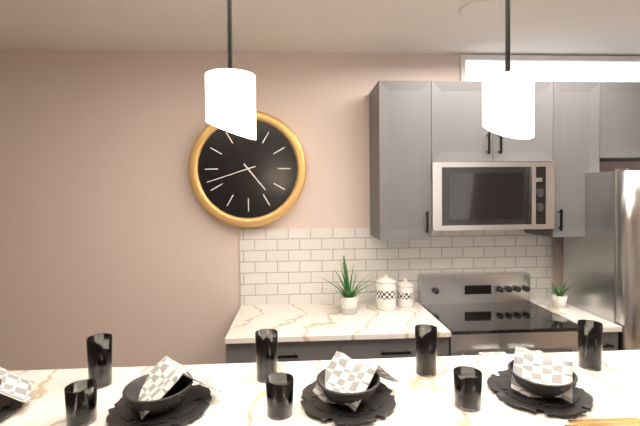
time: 4:42
